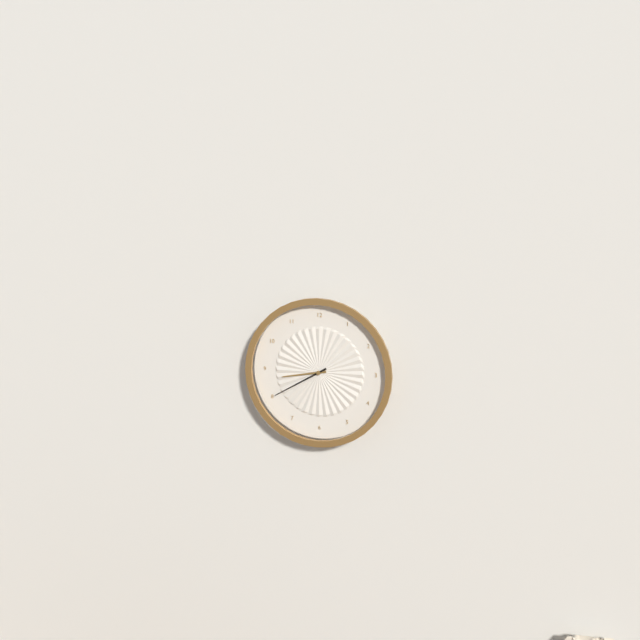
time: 8:40
